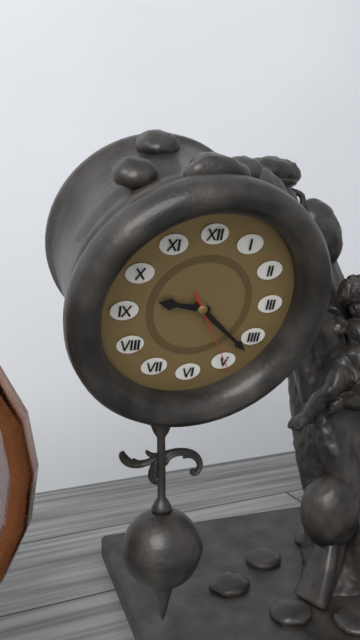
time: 9:22:25
